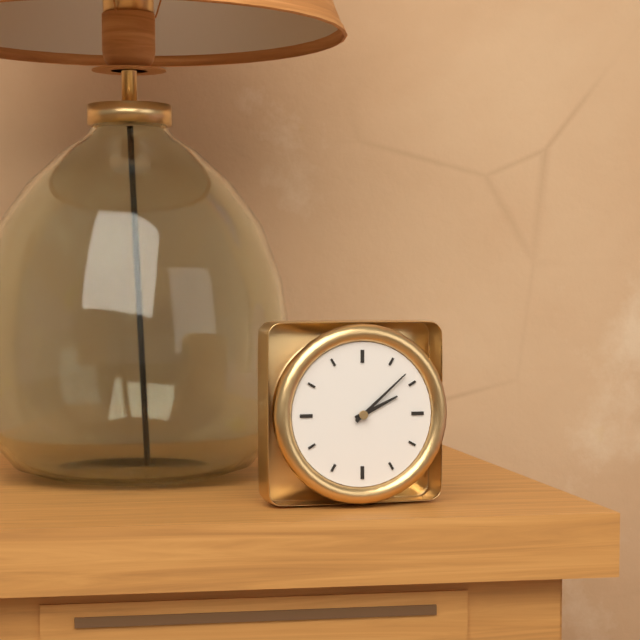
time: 2:08
